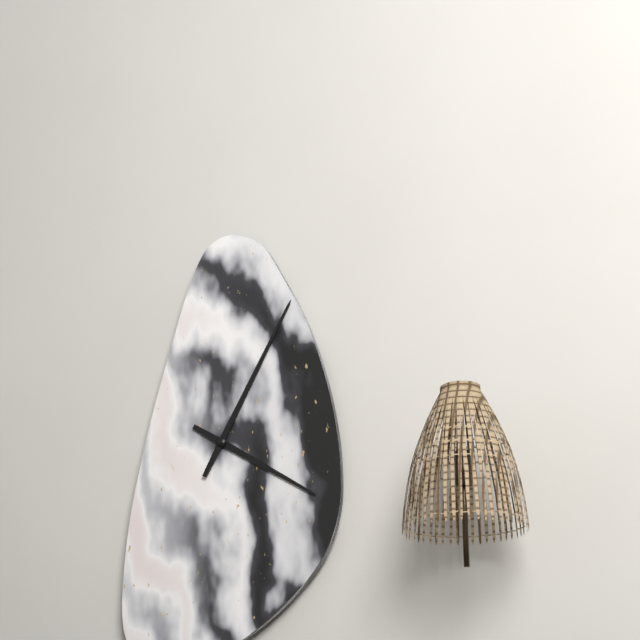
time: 4:05
